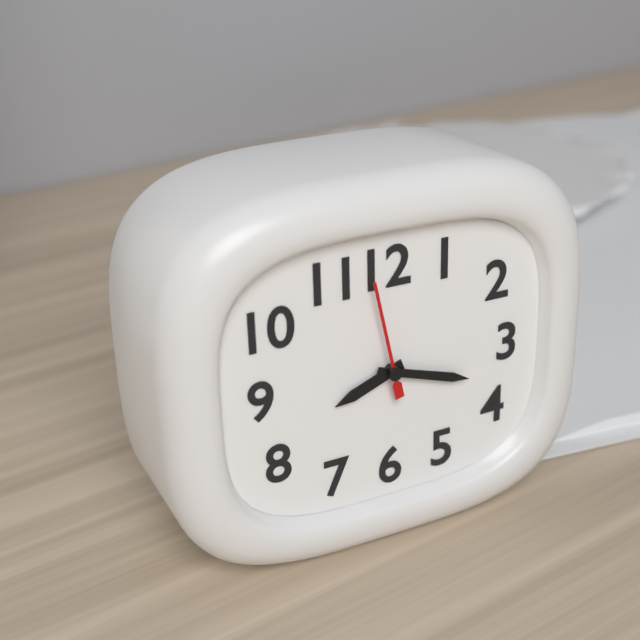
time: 8:18:58
